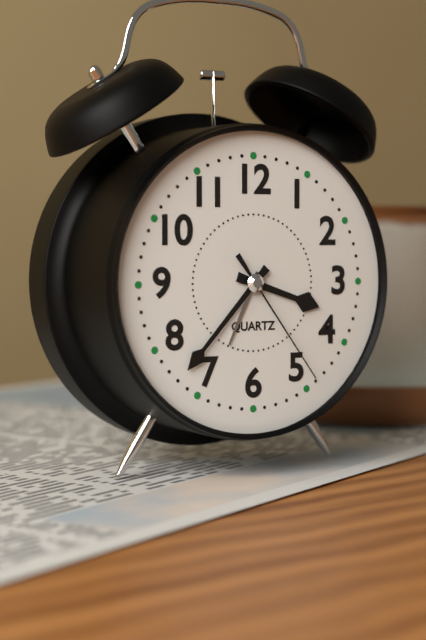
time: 3:37:24
